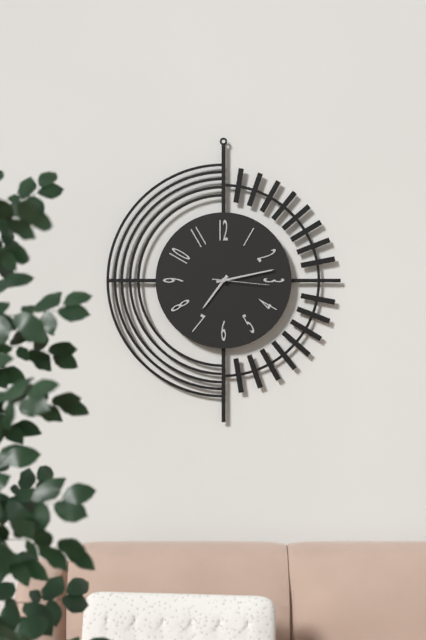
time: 7:13:16
